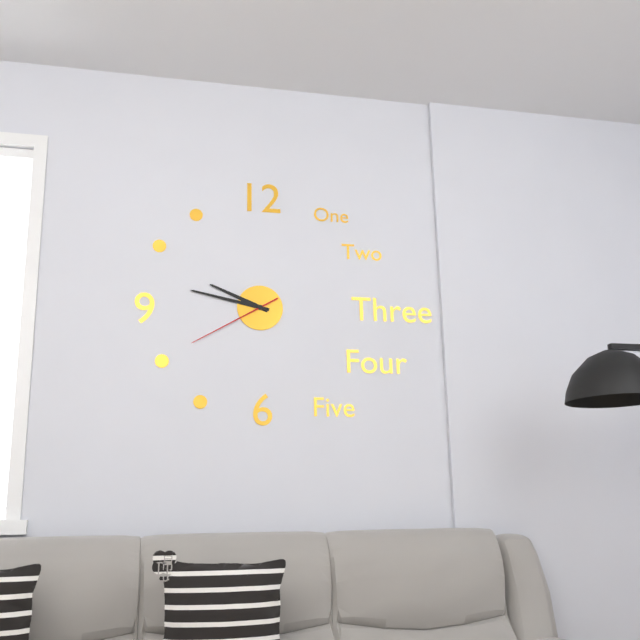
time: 9:47:40
